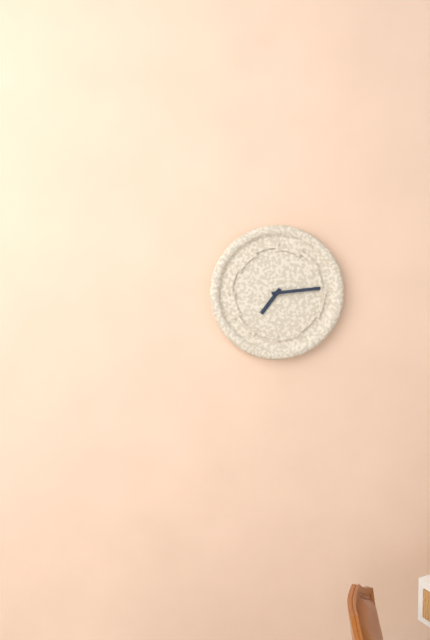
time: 7:14
